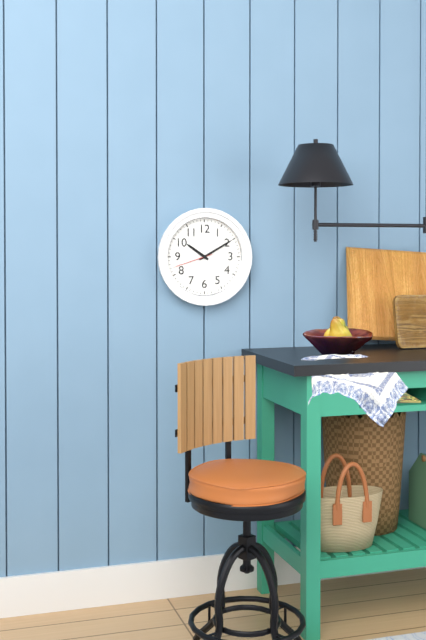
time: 10:10
